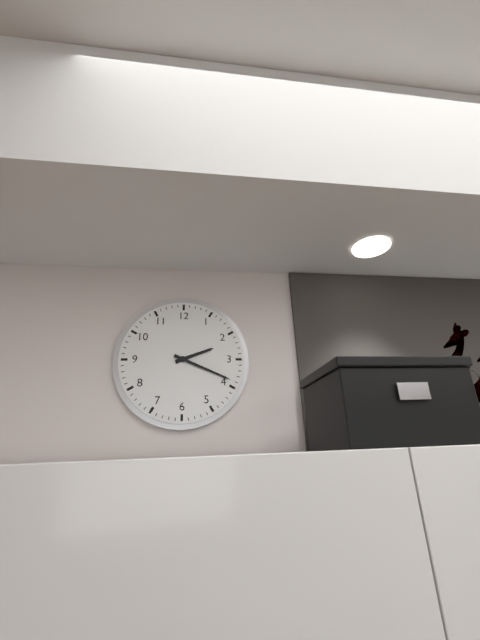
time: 2:19
